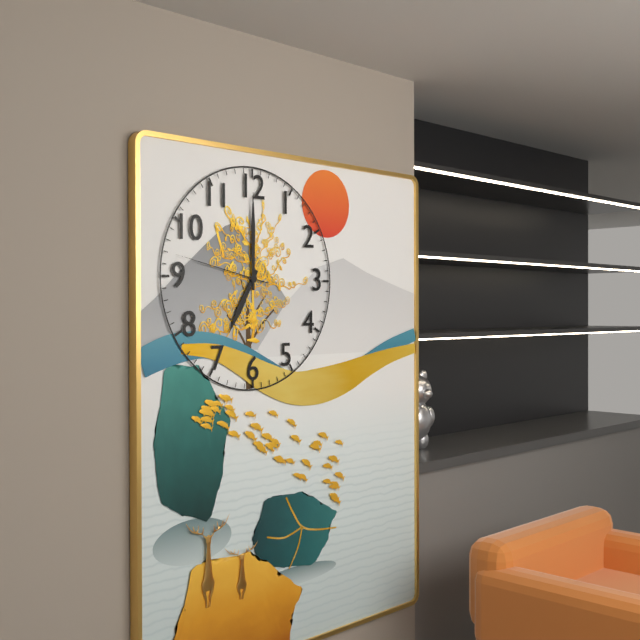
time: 7:00:47
